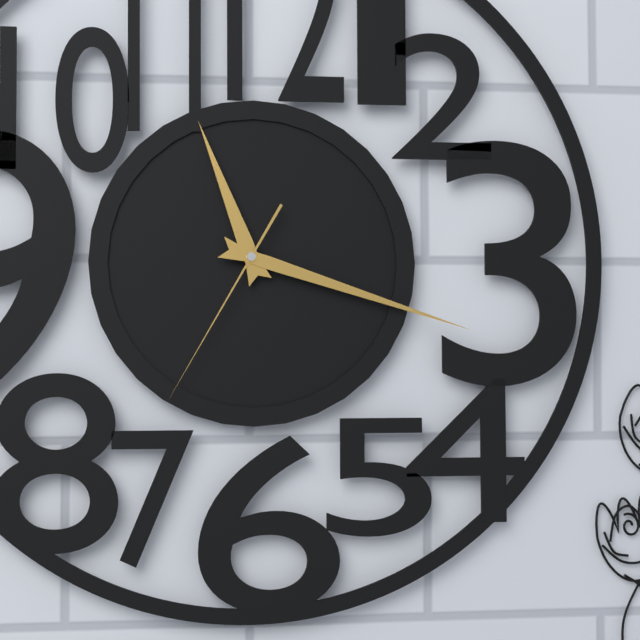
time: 11:18:35
